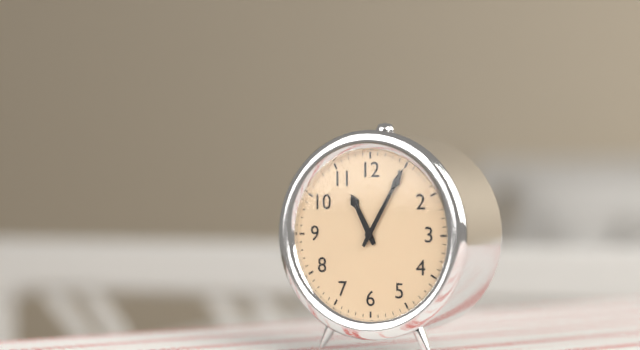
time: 11:05
